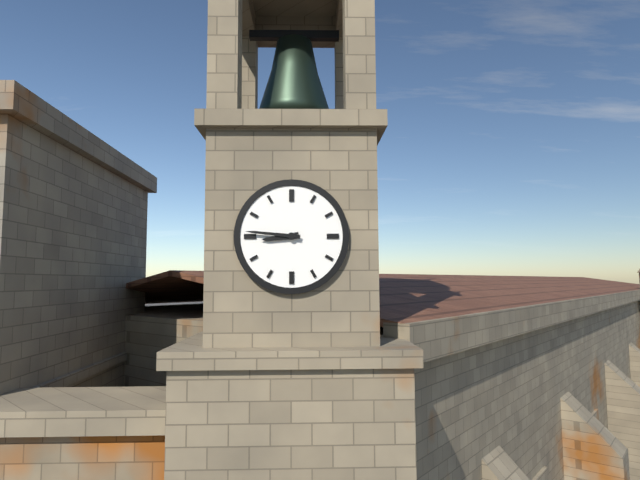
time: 8:46
